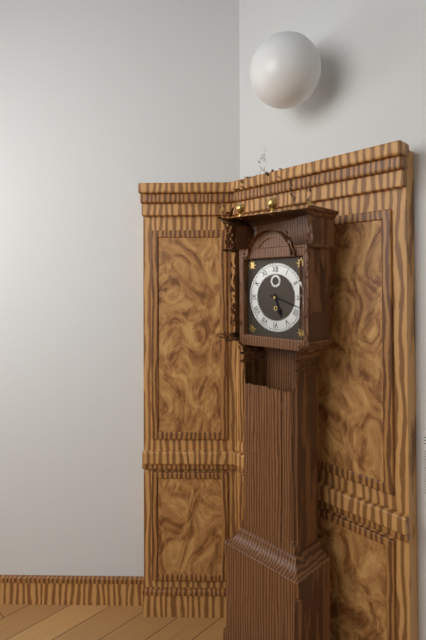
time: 5:18
